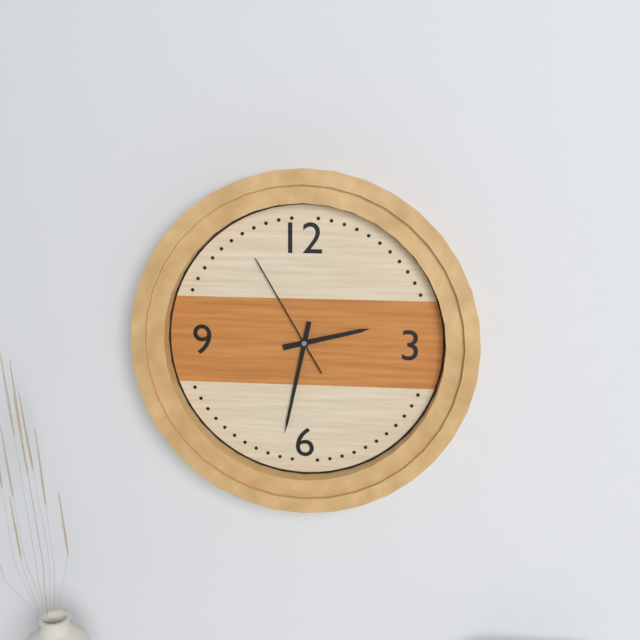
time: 2:32:55
